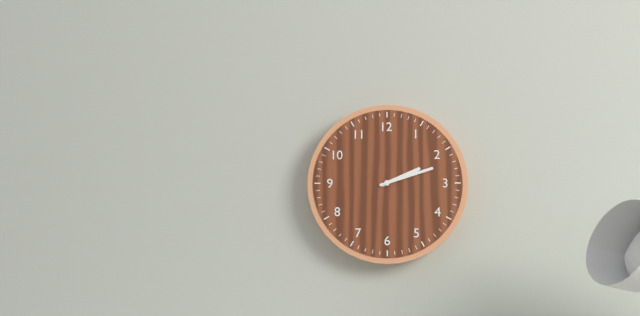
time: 2:12
